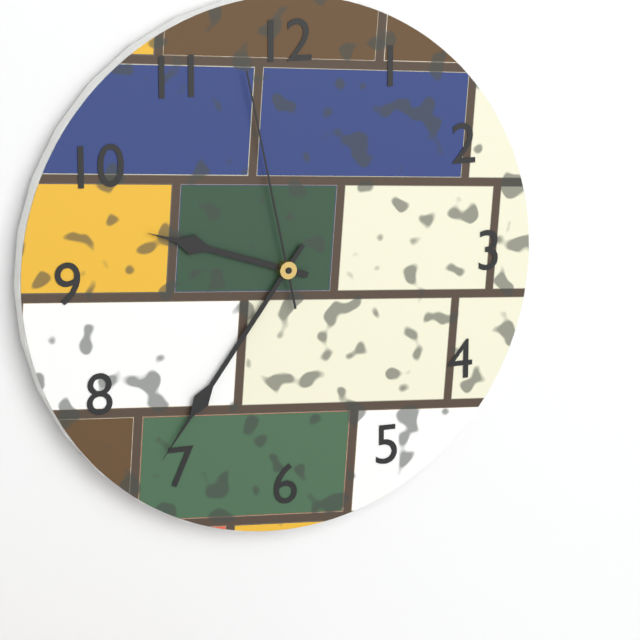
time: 9:36:58
